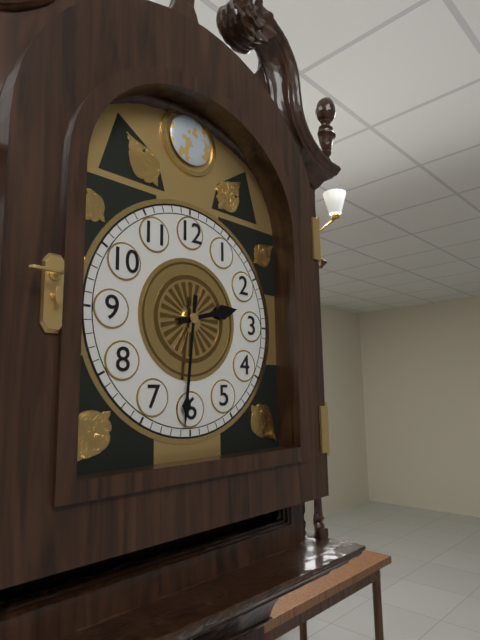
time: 2:31
